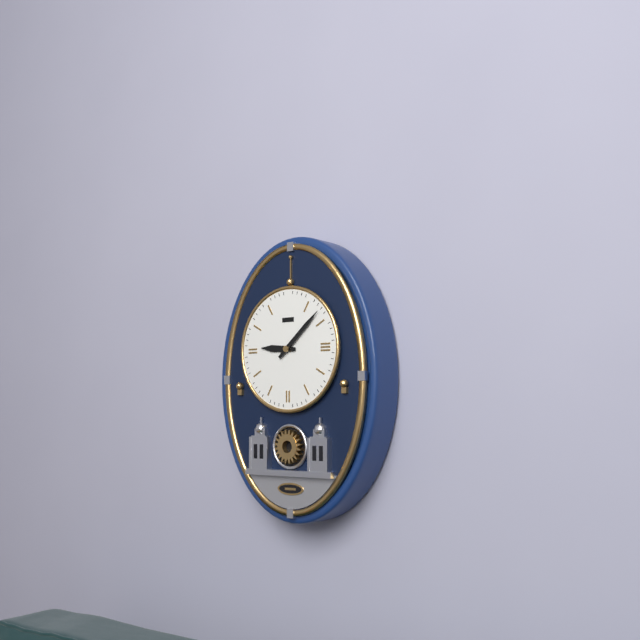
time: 9:08
